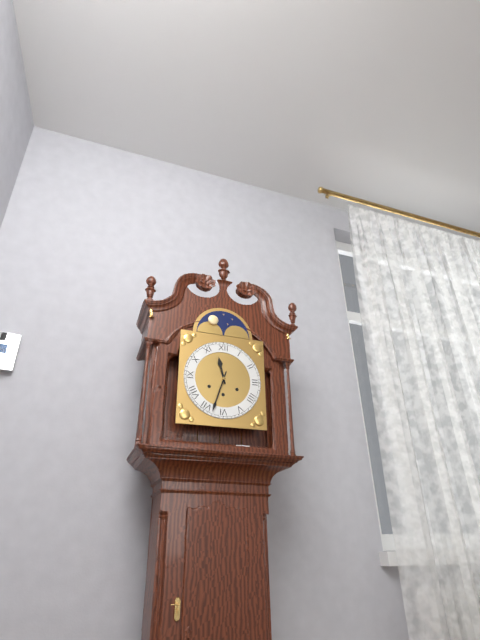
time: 11:33
